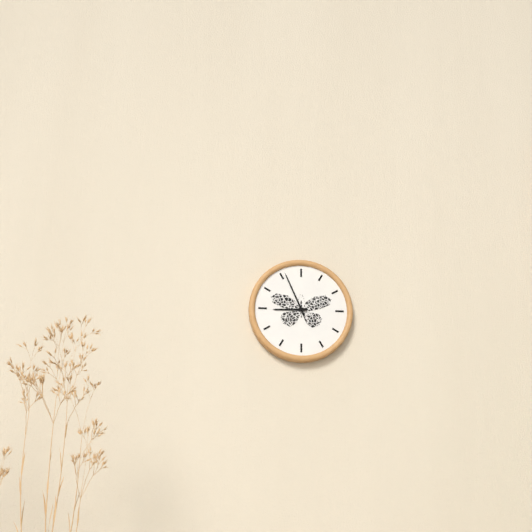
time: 8:56
